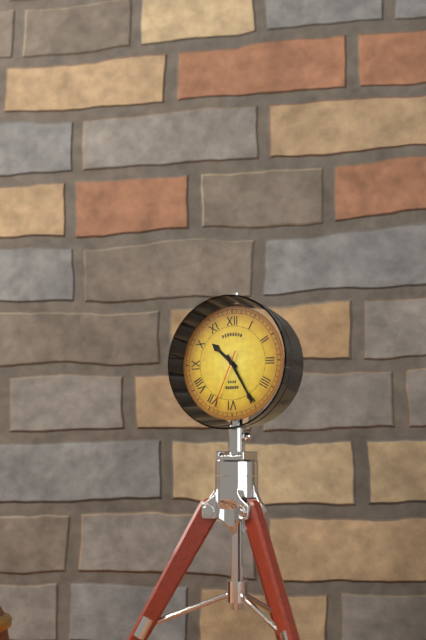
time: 10:25:34
